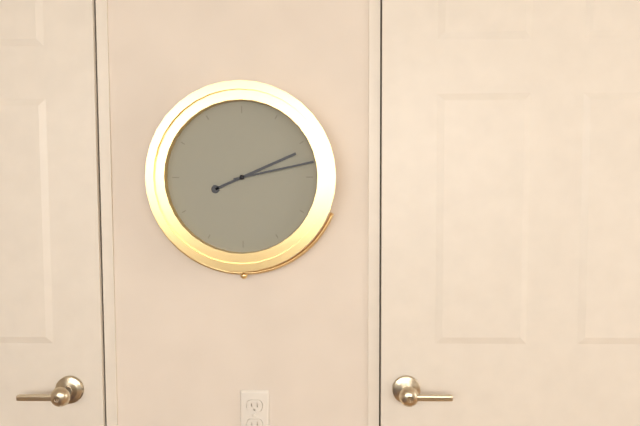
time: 2:13
